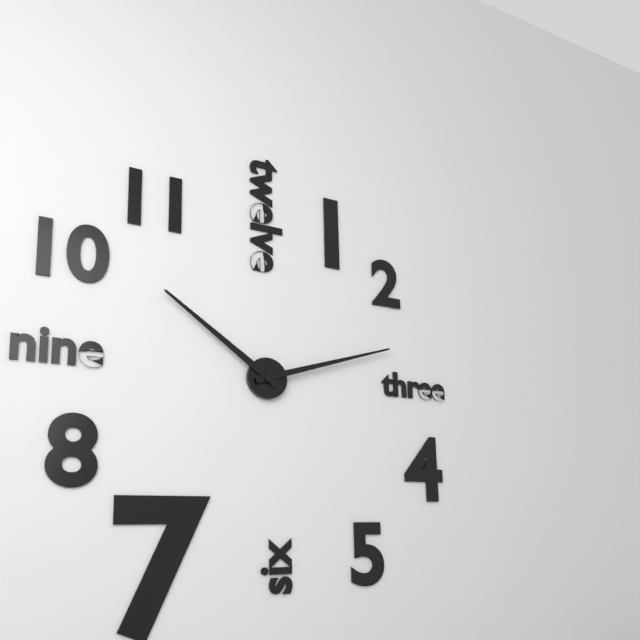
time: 10:12
